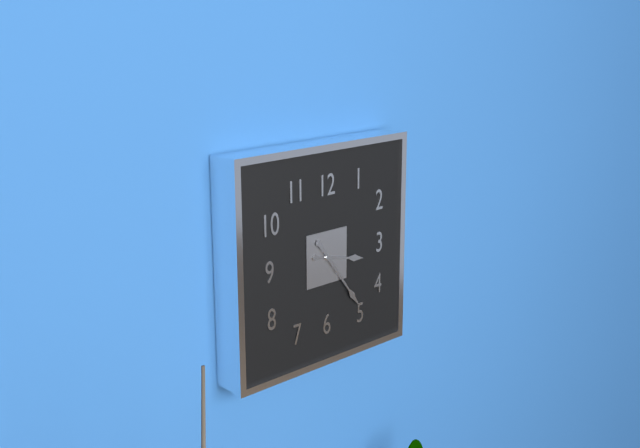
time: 3:24
